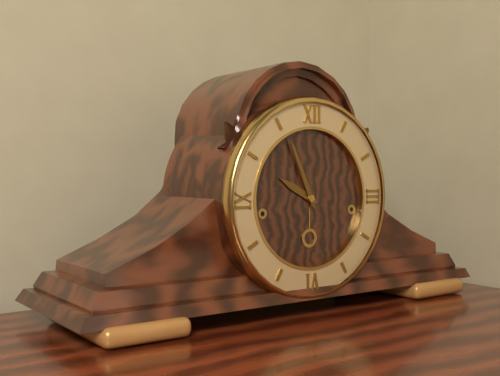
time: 9:56
